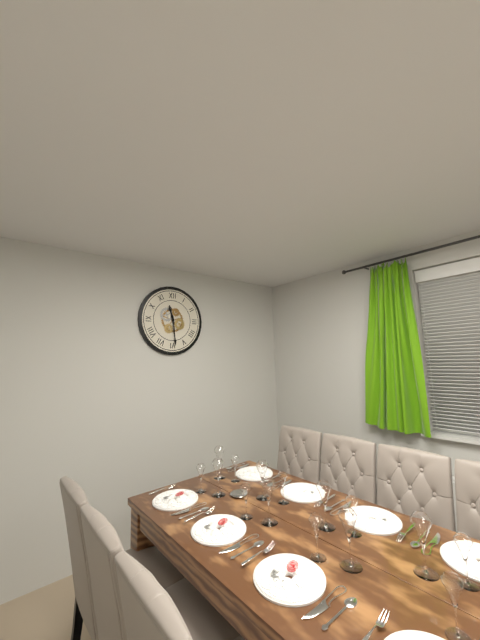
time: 11:29
